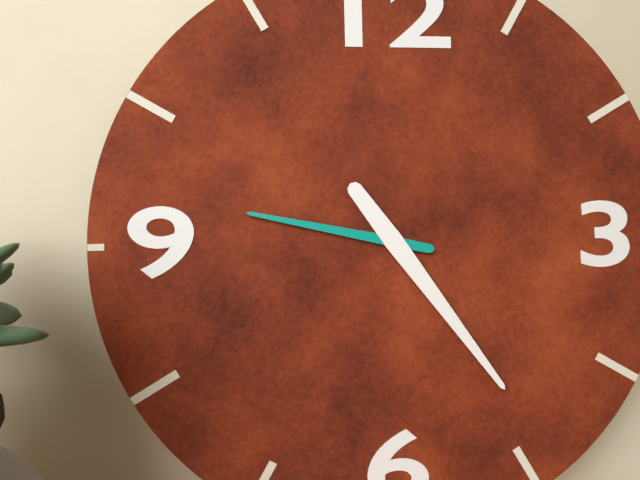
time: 9:24
